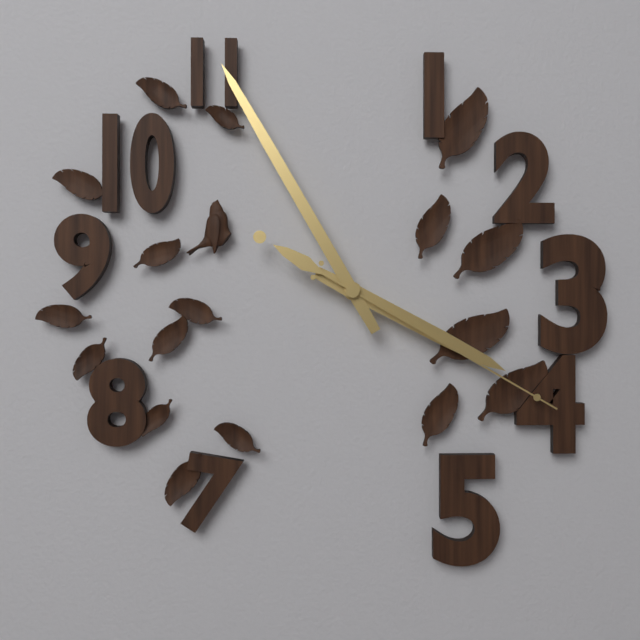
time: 3:55:20
